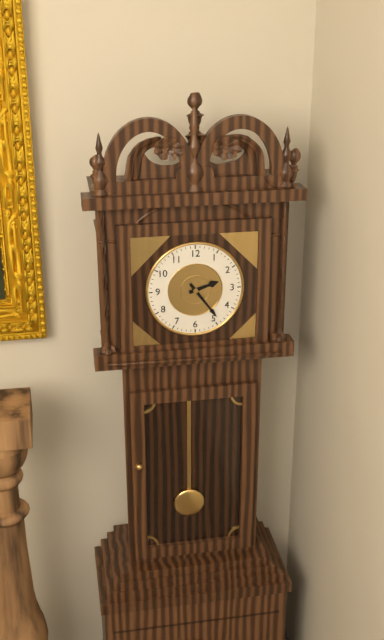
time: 2:24
